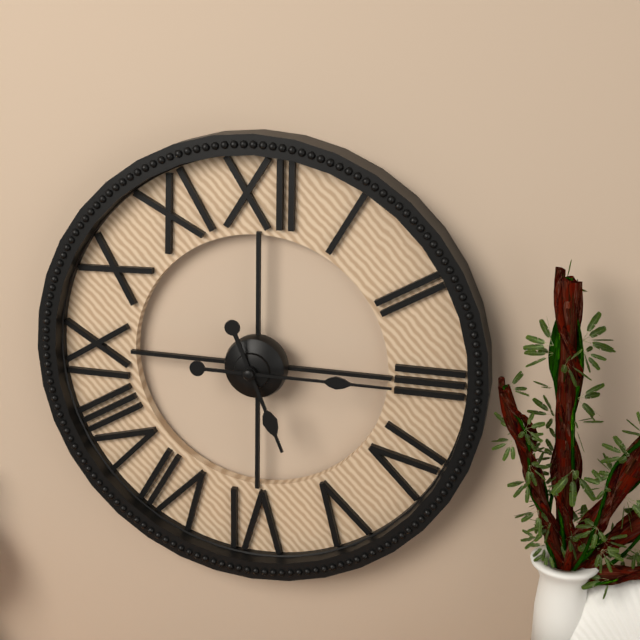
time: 5:15
